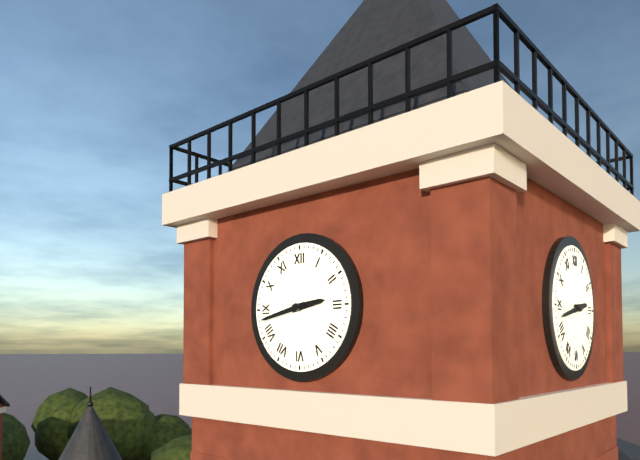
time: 2:43
